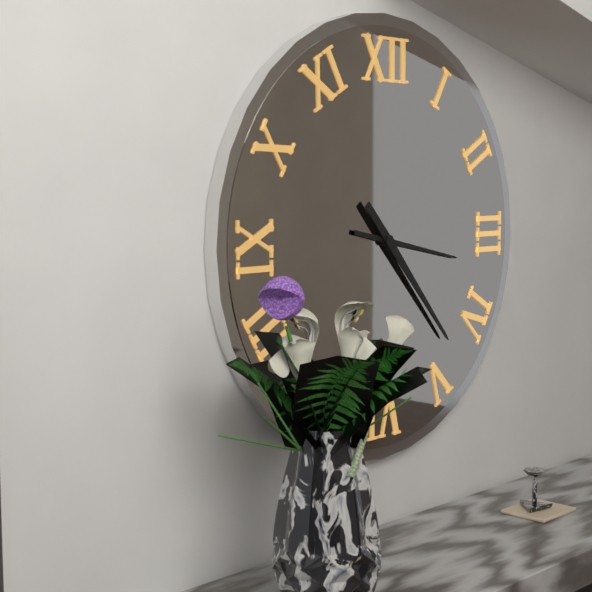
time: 3:23
